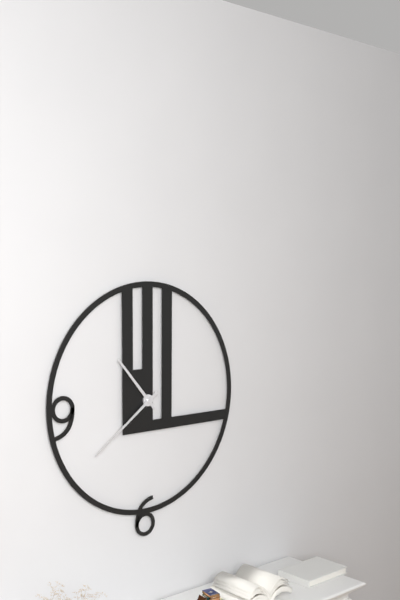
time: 10:39
